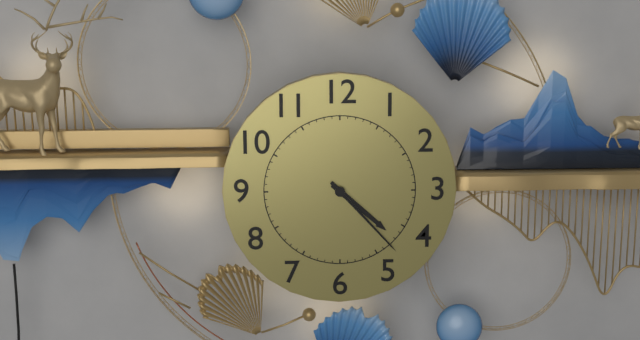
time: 4:23
